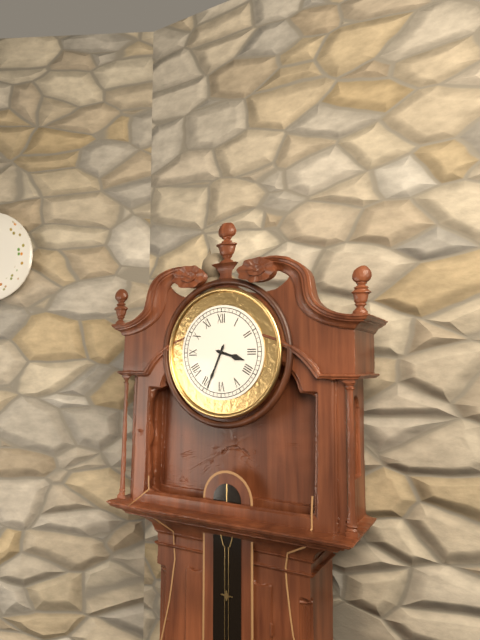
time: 3:34
